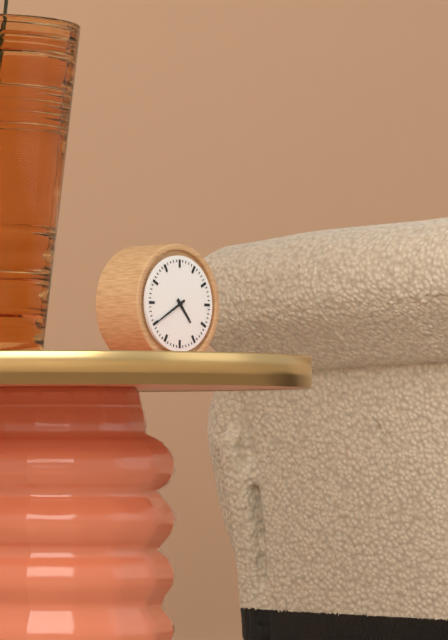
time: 4:40
